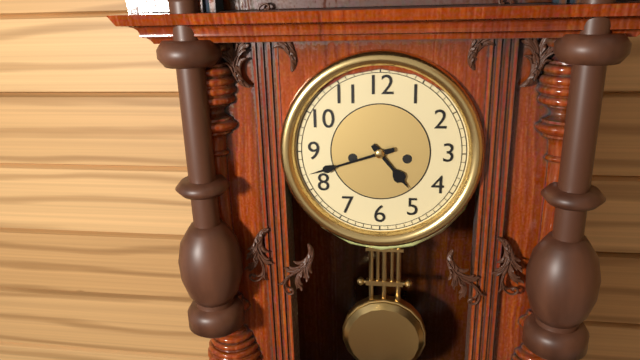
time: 4:42
